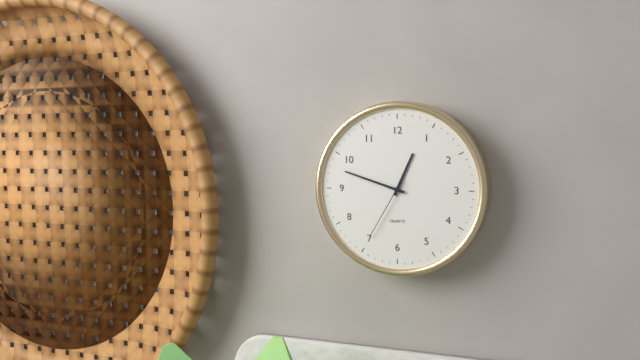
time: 12:48:35
